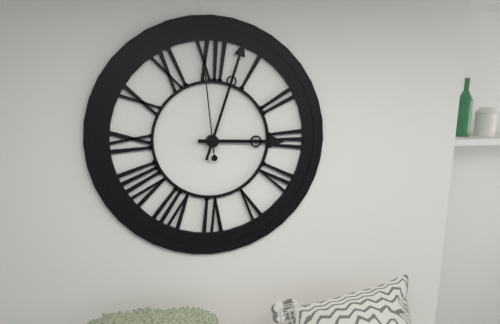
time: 3:03:59
